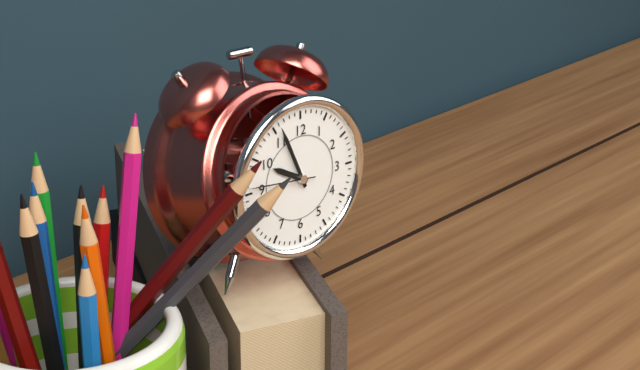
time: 9:56:46
